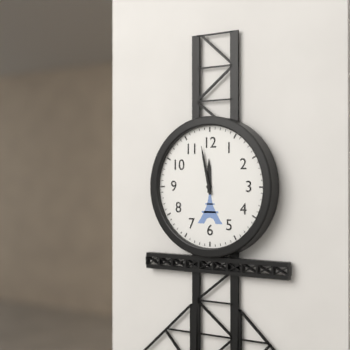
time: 11:58
